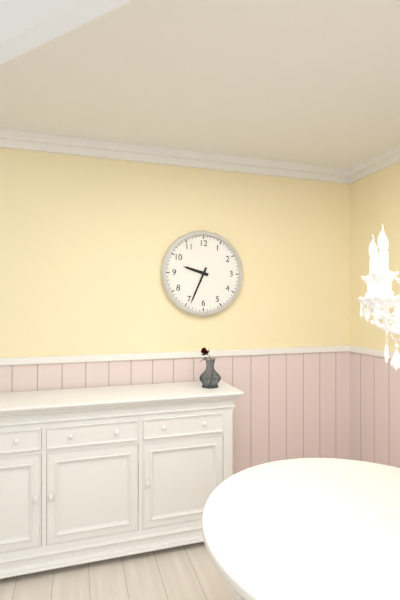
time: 9:34
